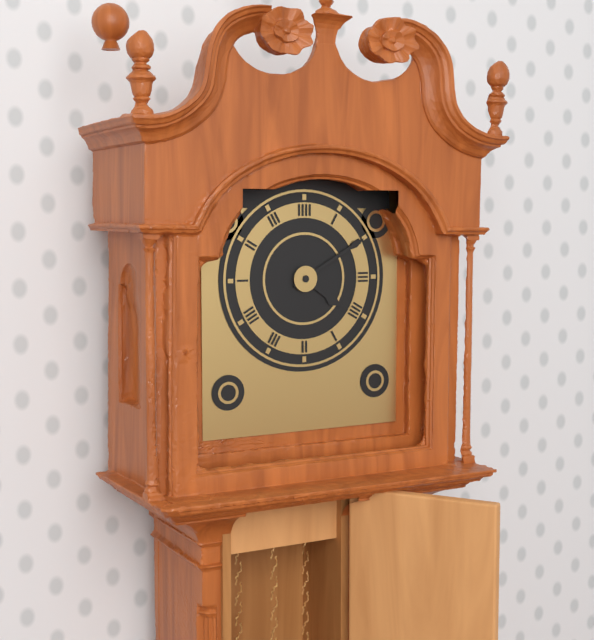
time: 4:10
